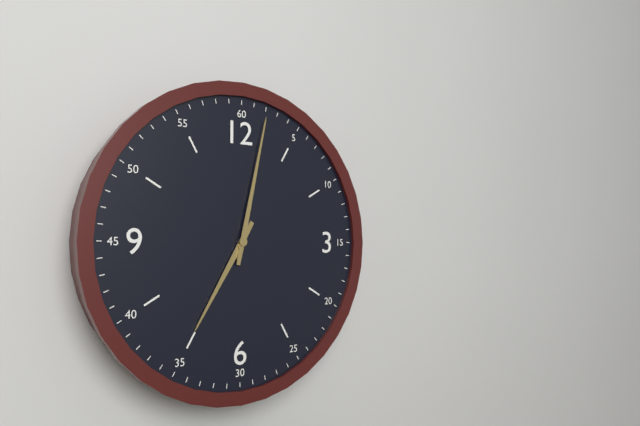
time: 7:02
